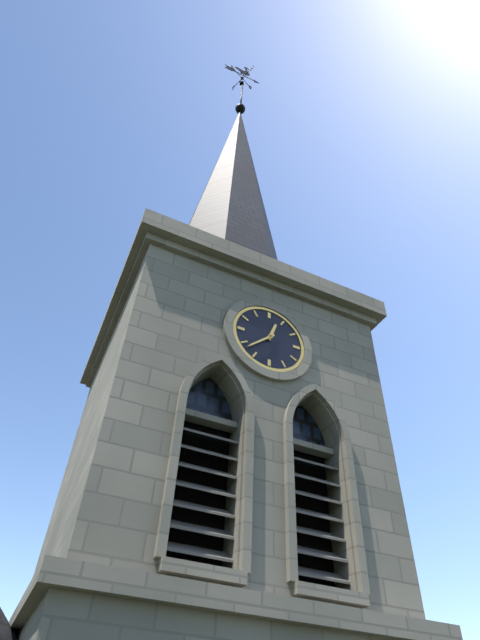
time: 12:38
